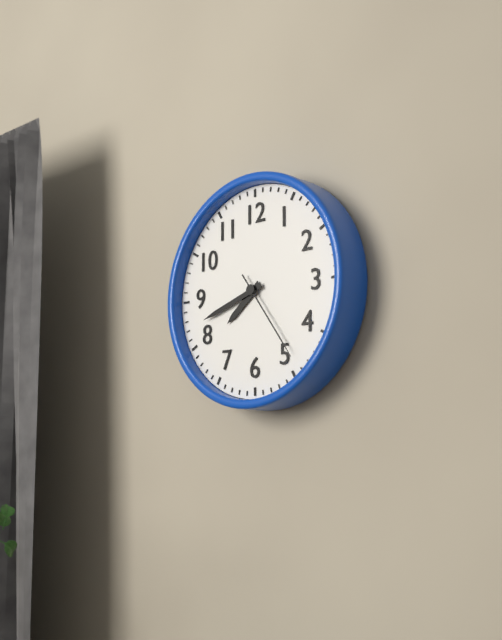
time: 7:42:24
